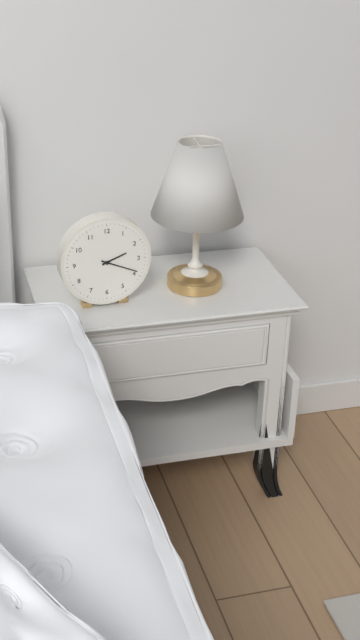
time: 2:19
